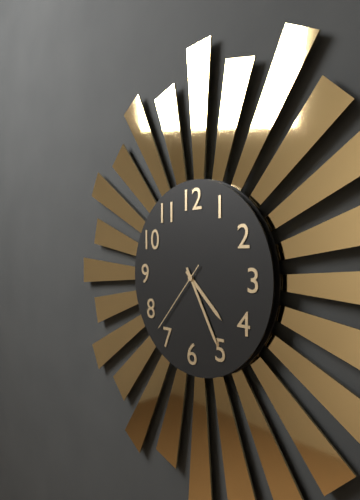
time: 4:25:37
